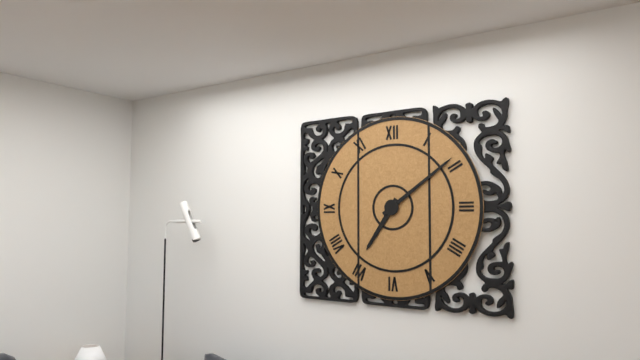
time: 7:09
